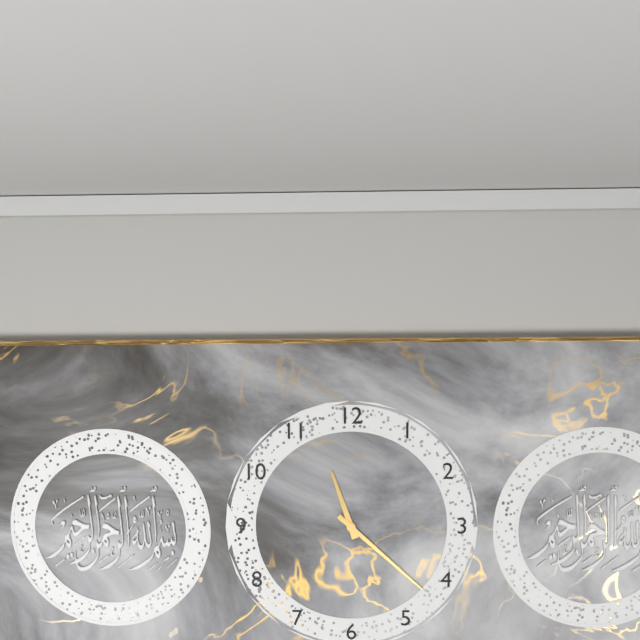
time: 11:22
